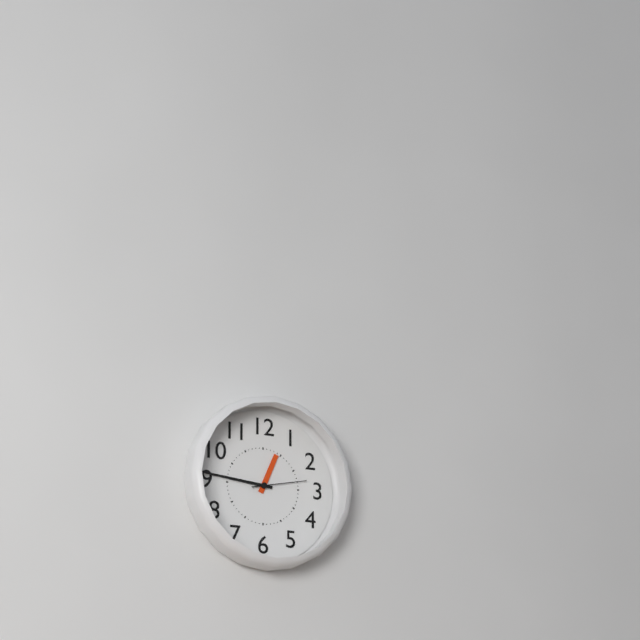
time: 12:46:13
